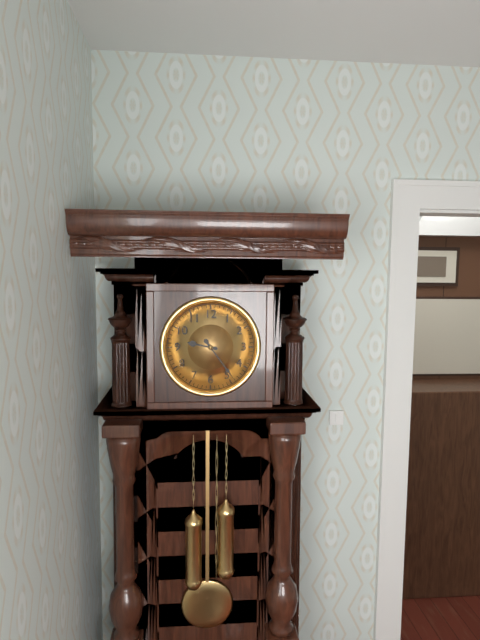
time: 9:24
